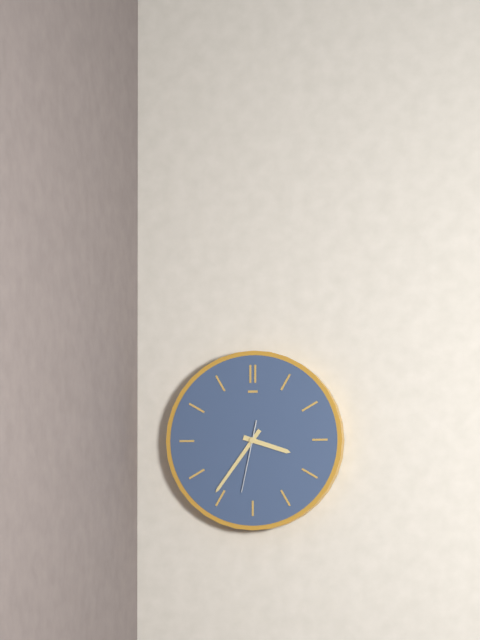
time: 3:36:32
